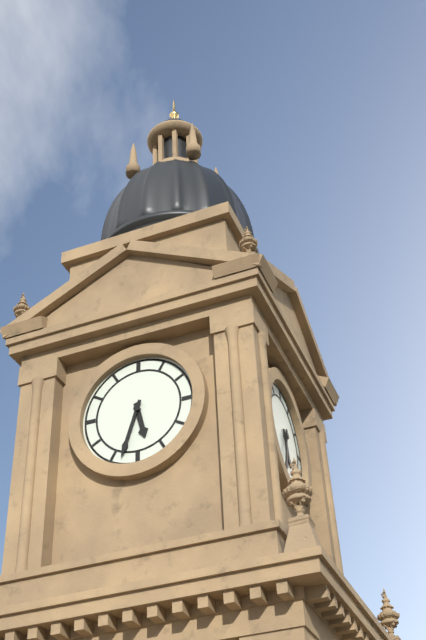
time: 5:33
